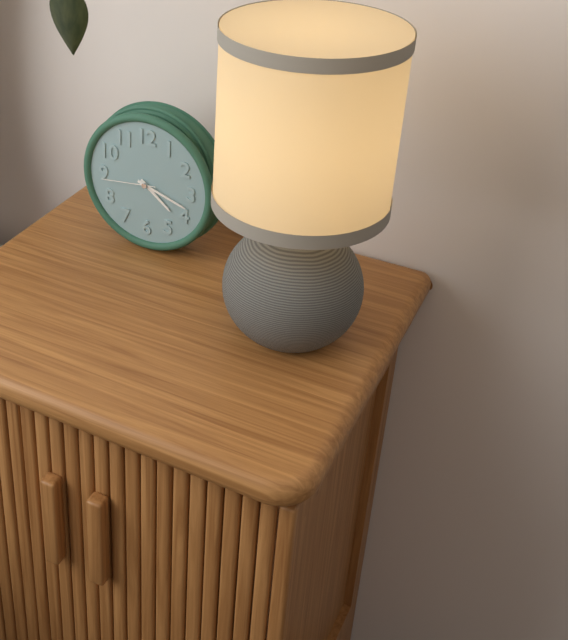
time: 4:18:44
